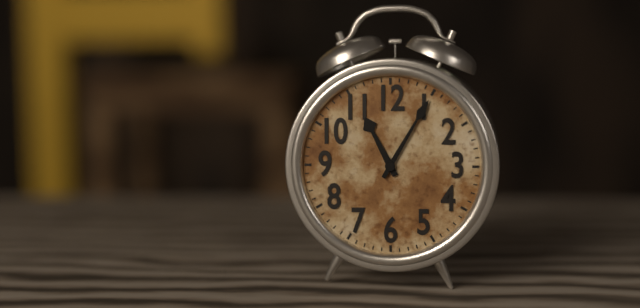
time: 11:05
